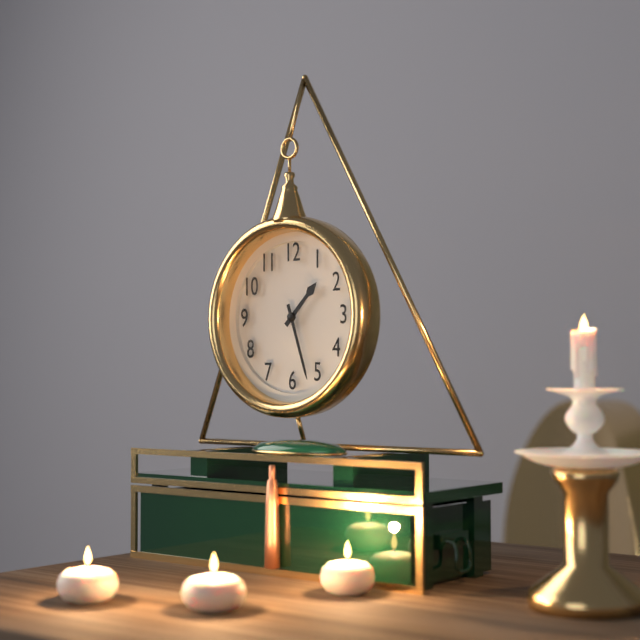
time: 1:27
